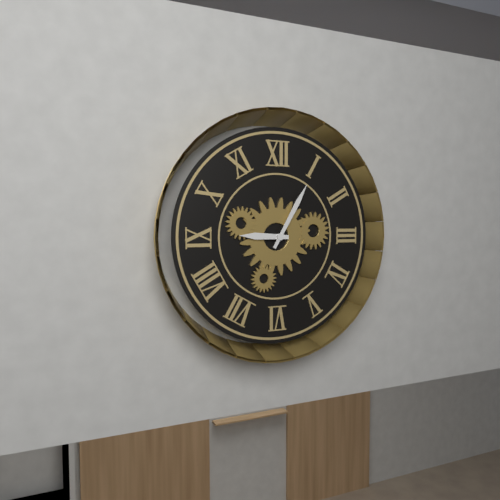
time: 9:05
